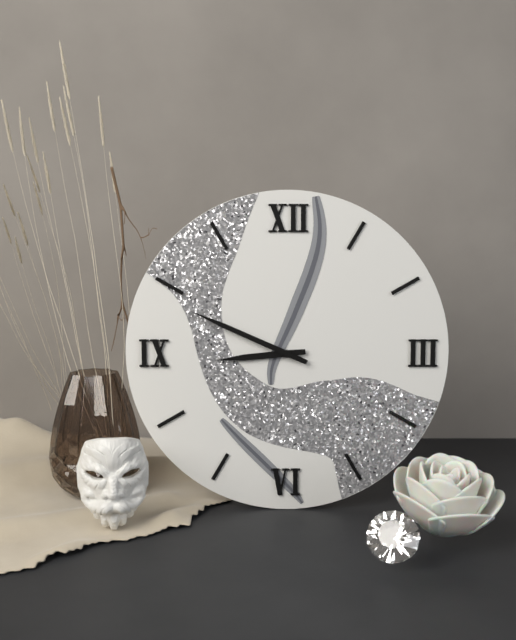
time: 8:49
